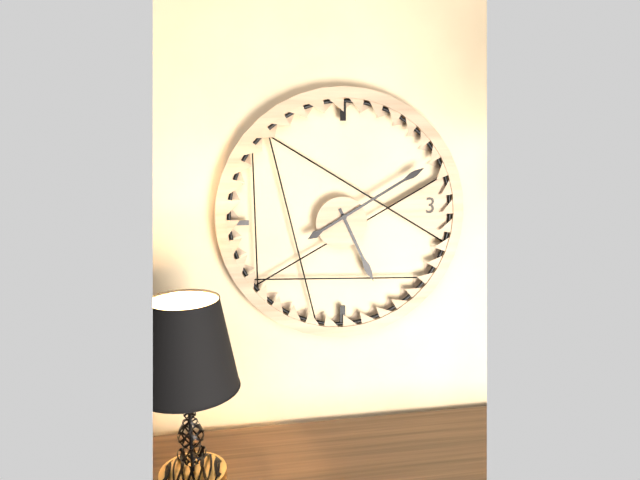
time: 5:10
